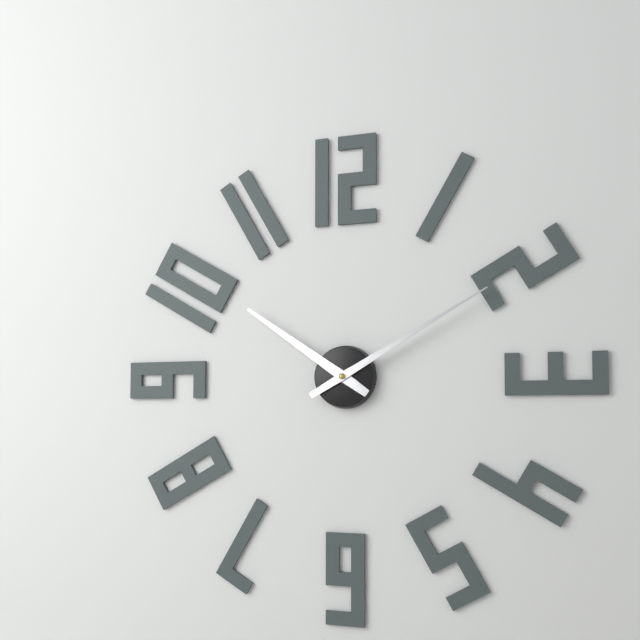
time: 10:10
